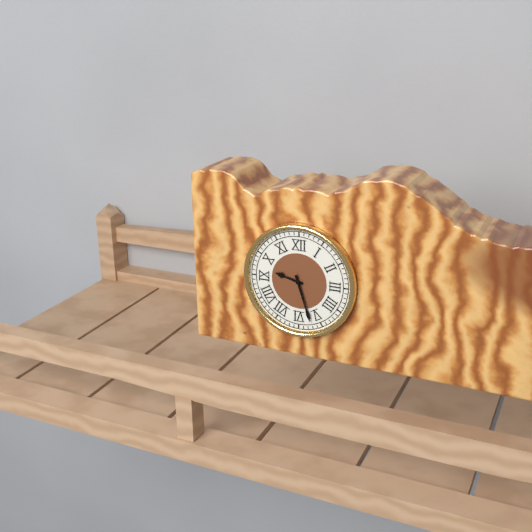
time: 9:27
